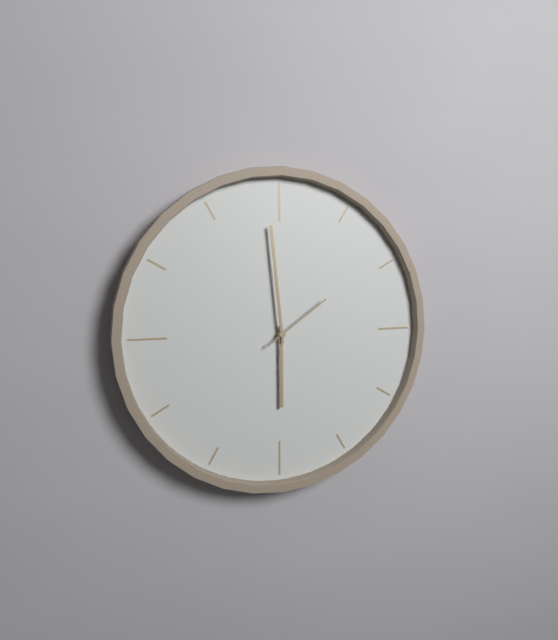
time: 5:59:09
